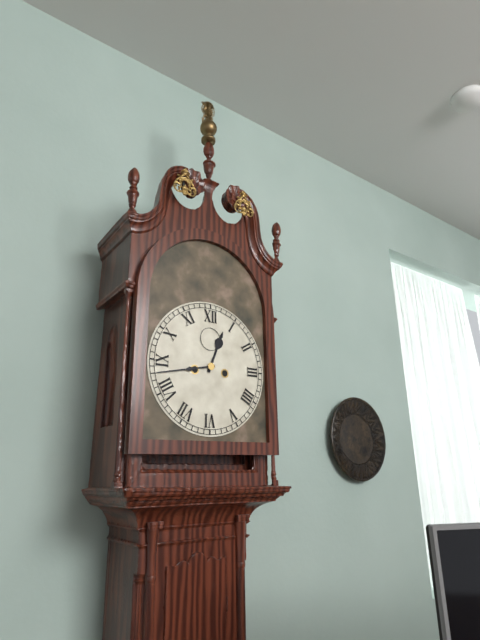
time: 12:43
